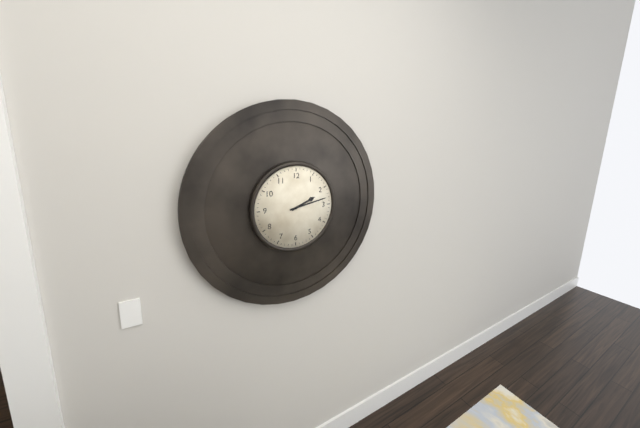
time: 2:13
